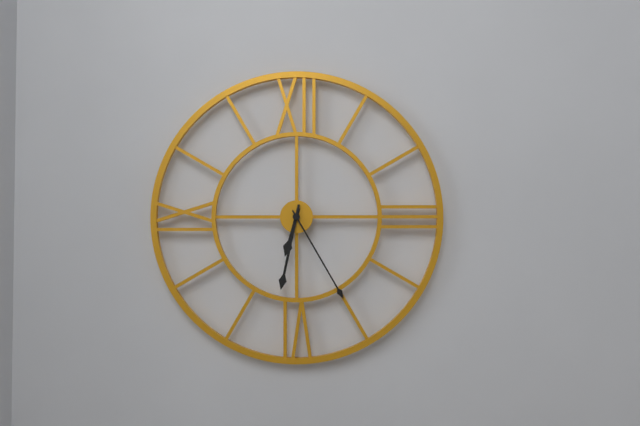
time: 6:32:25
